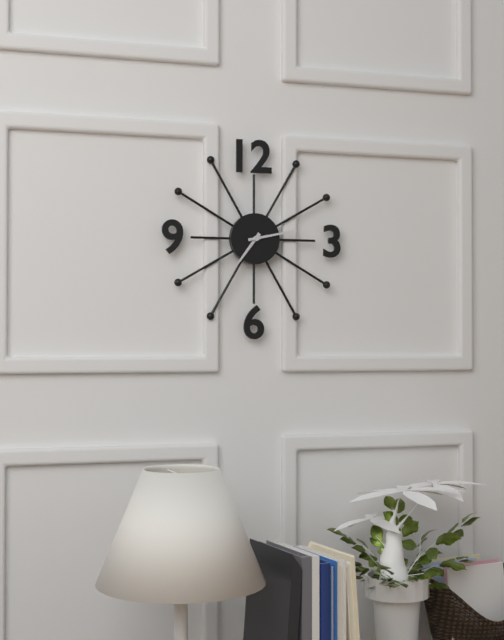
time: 7:13
